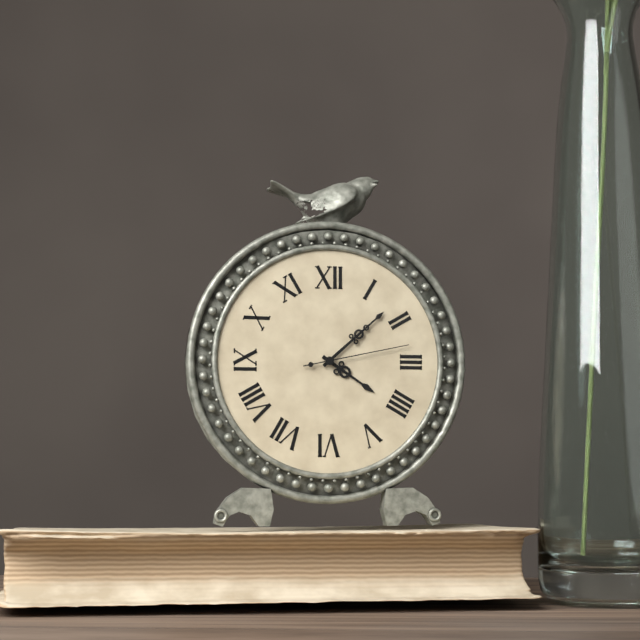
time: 4:08:13
